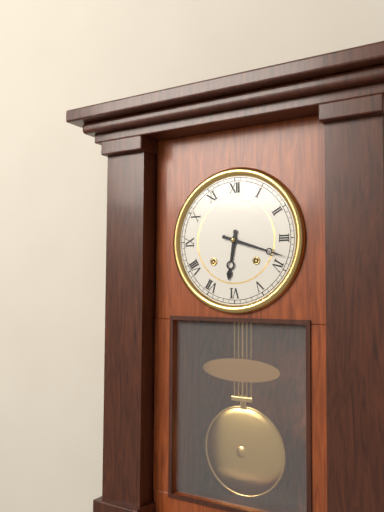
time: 6:18
